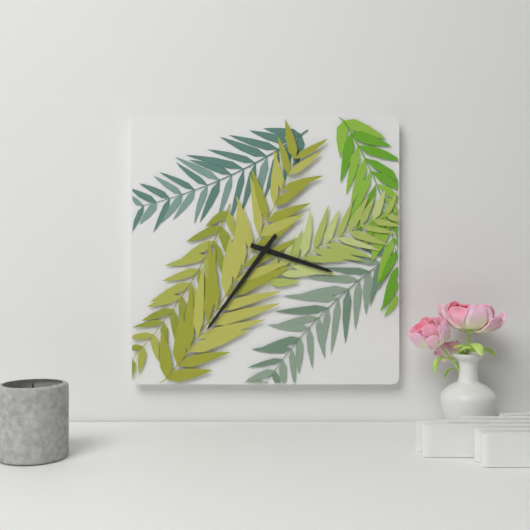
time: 3:36
